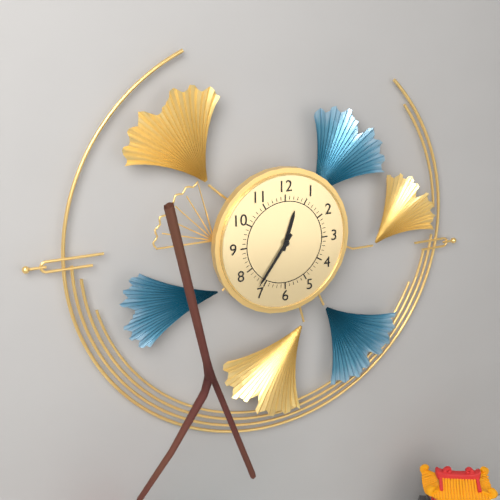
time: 12:36
